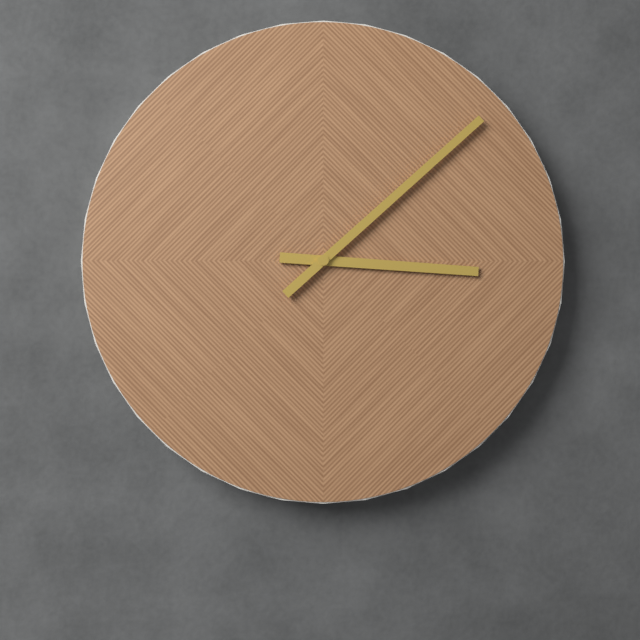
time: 3:08
